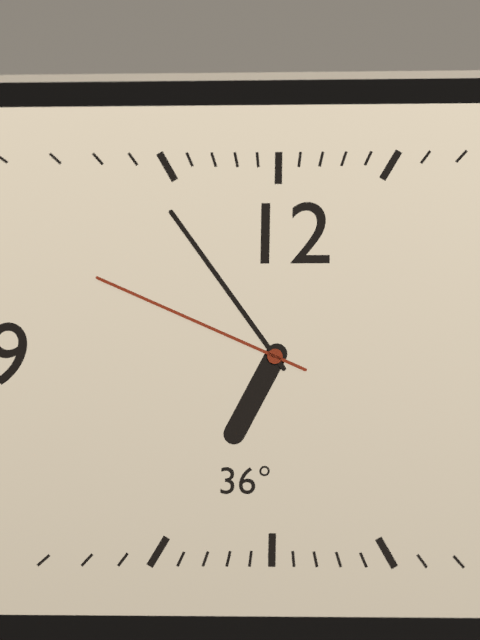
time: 6:54:49
